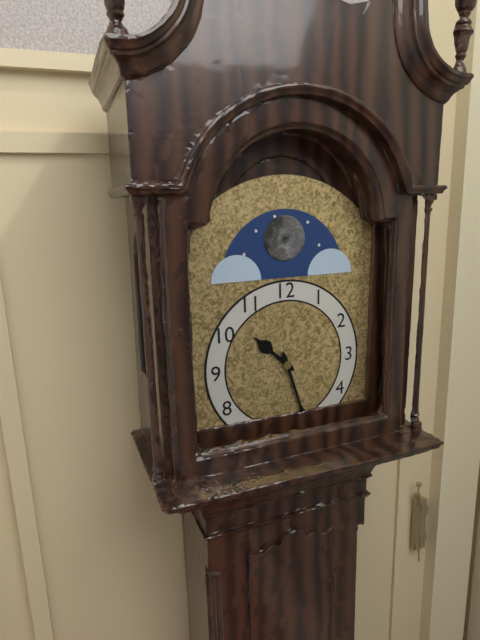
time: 10:27
